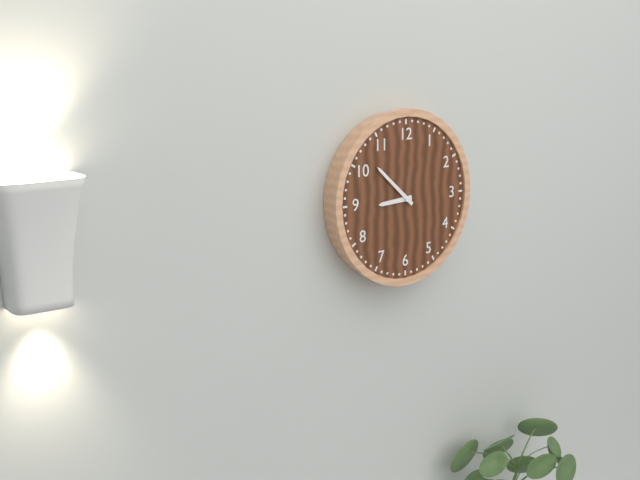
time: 8:52
